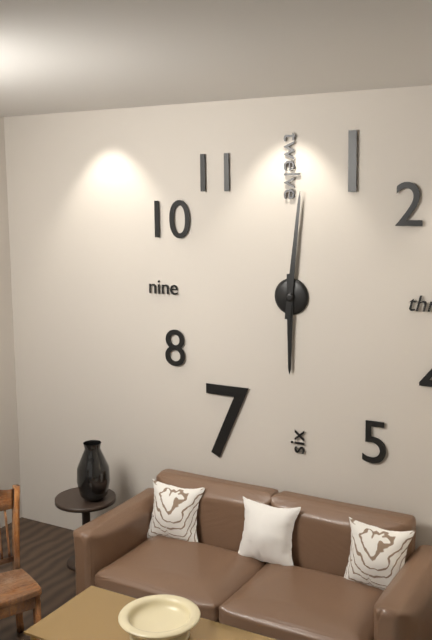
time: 6:01
